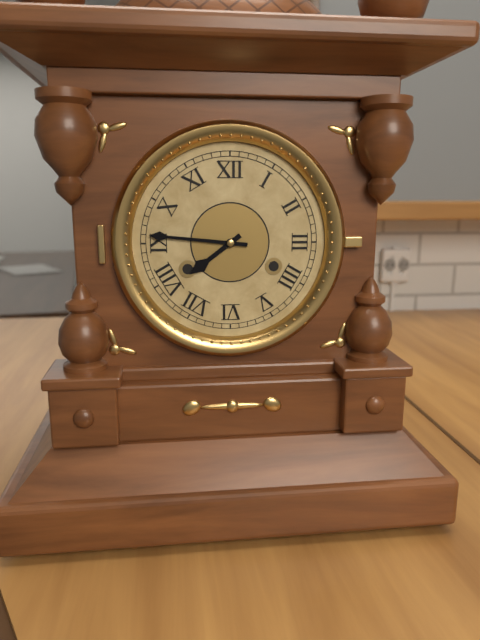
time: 7:46
